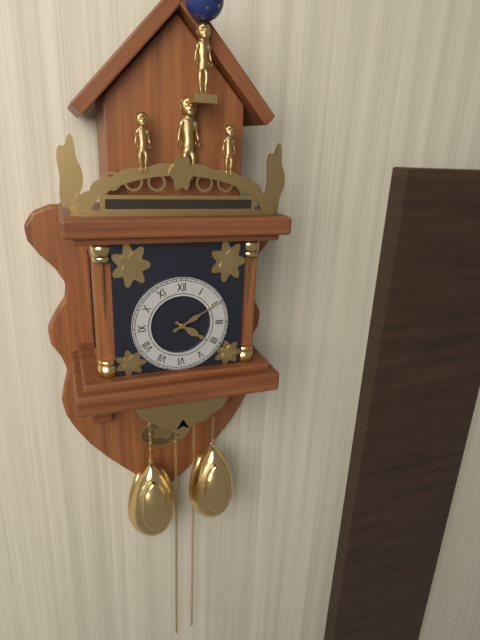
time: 4:10
